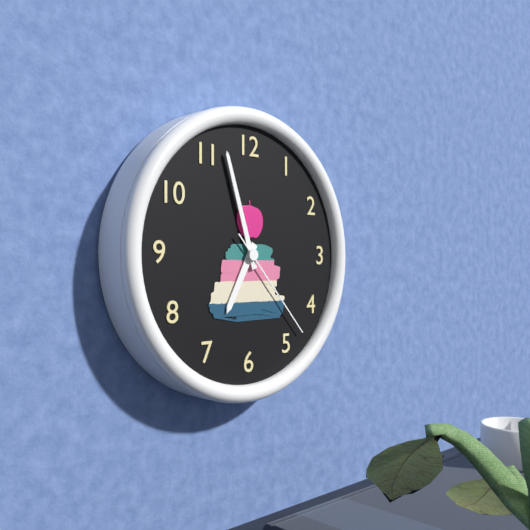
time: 6:57:23
